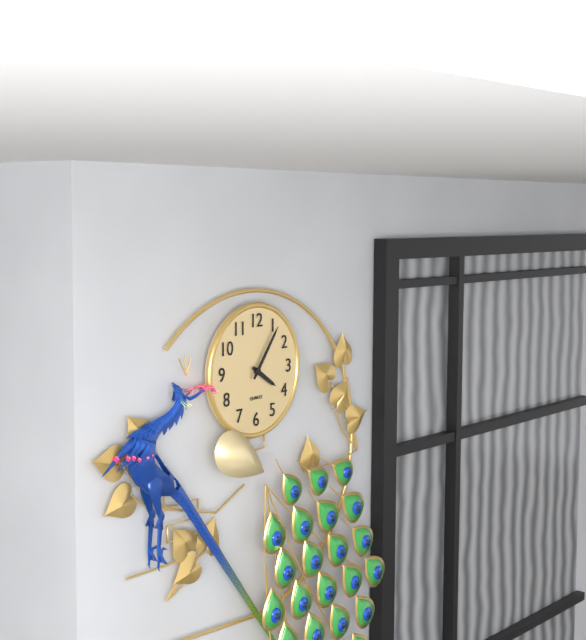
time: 4:06
